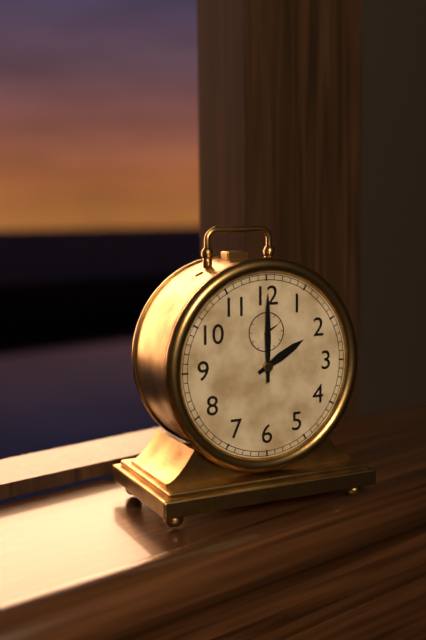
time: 2:00
